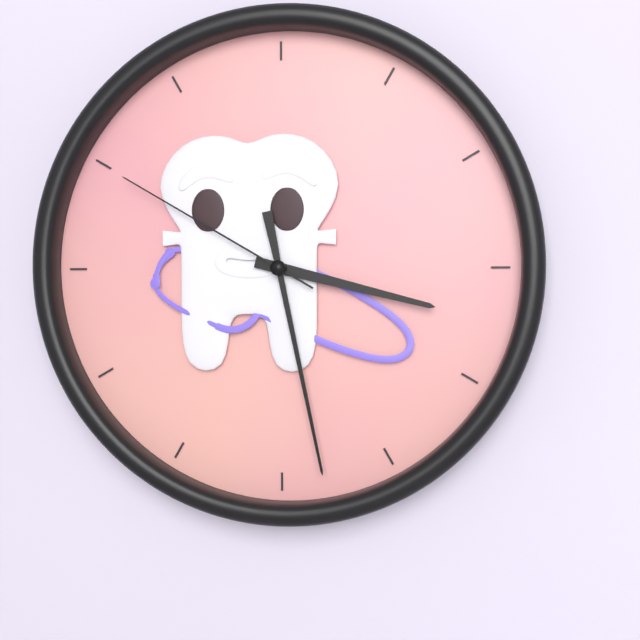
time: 3:28:50
